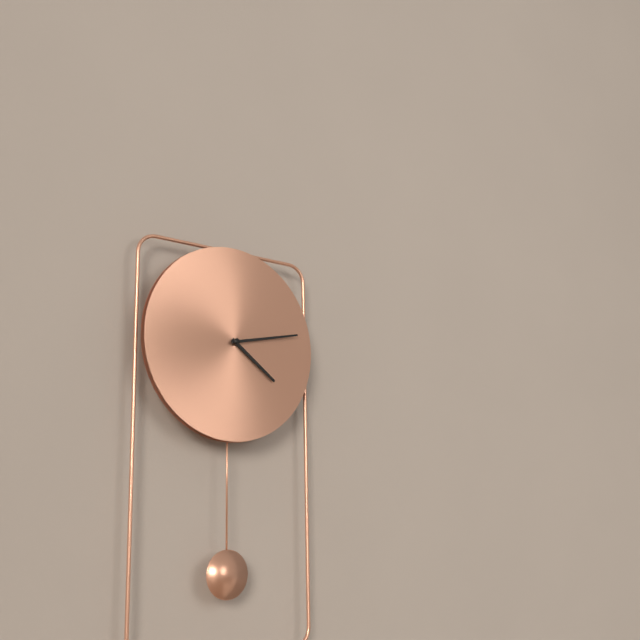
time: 4:13
